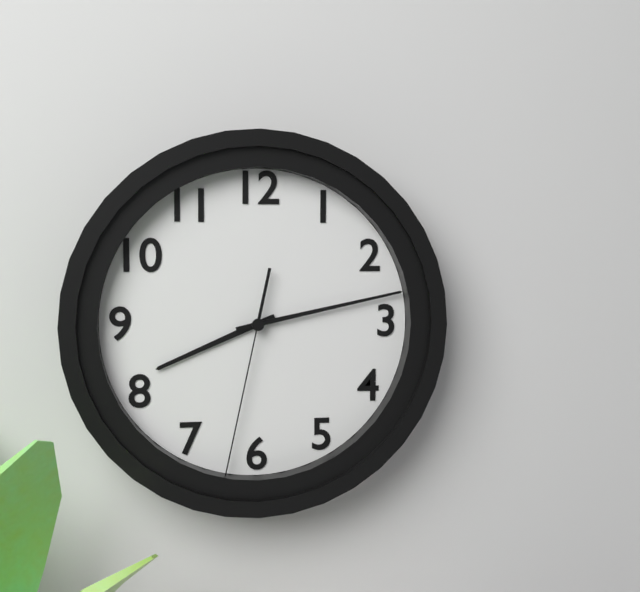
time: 8:13:32
